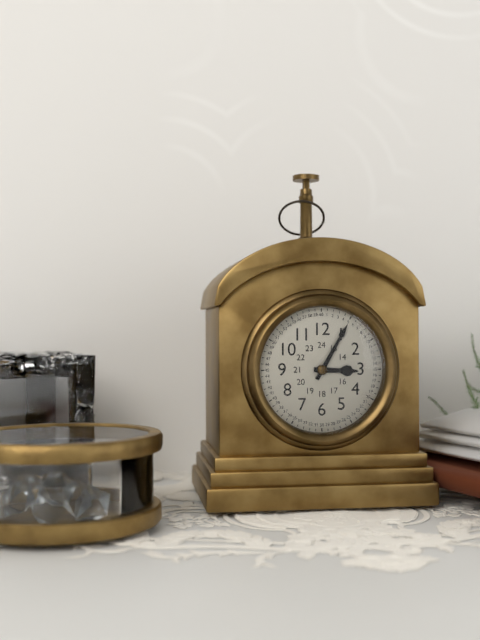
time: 3:05
